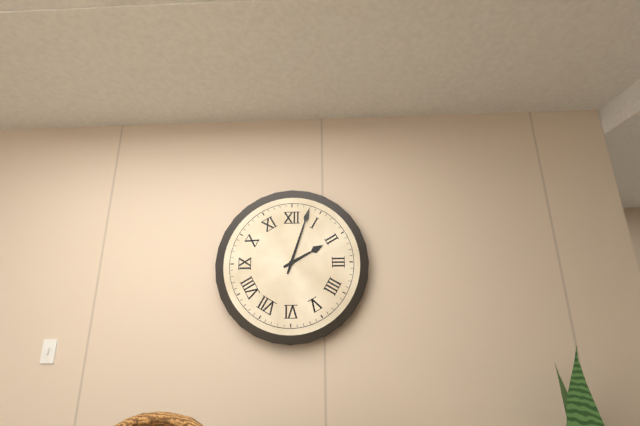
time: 2:03
